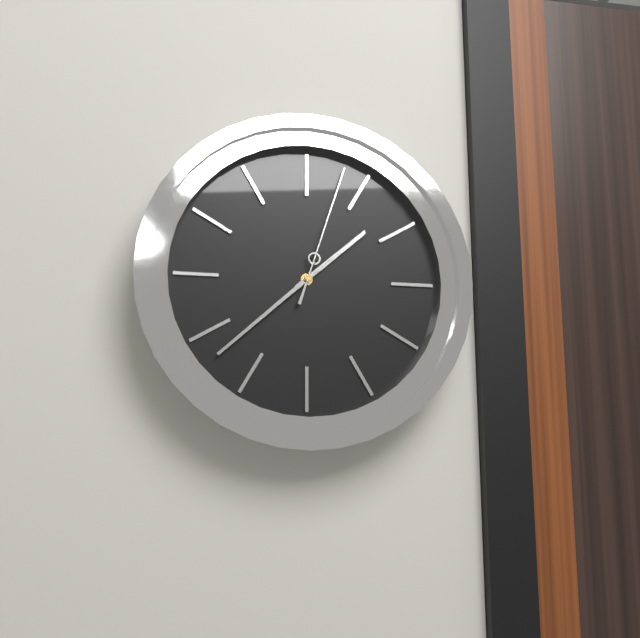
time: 1:38:03
